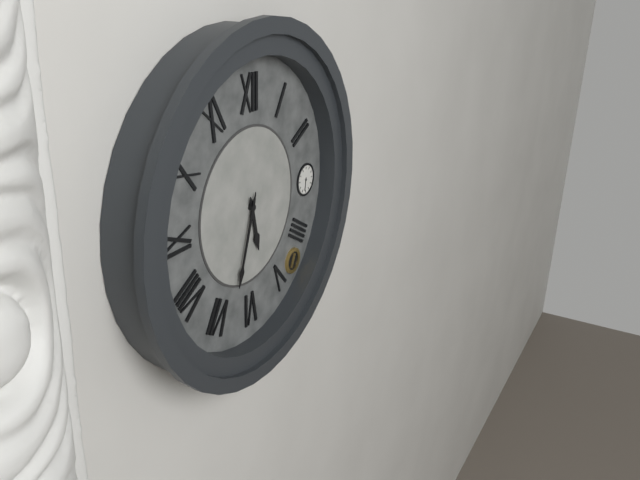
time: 5:33
